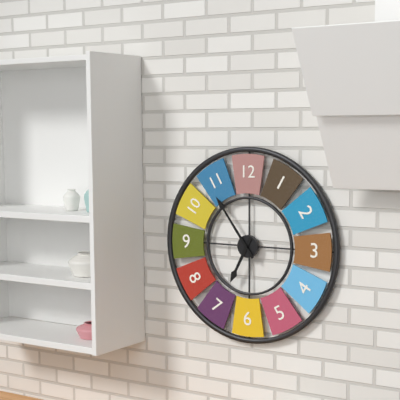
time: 6:54
